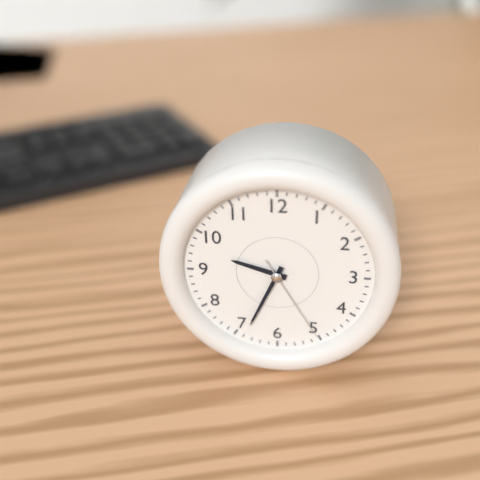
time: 9:34:25
